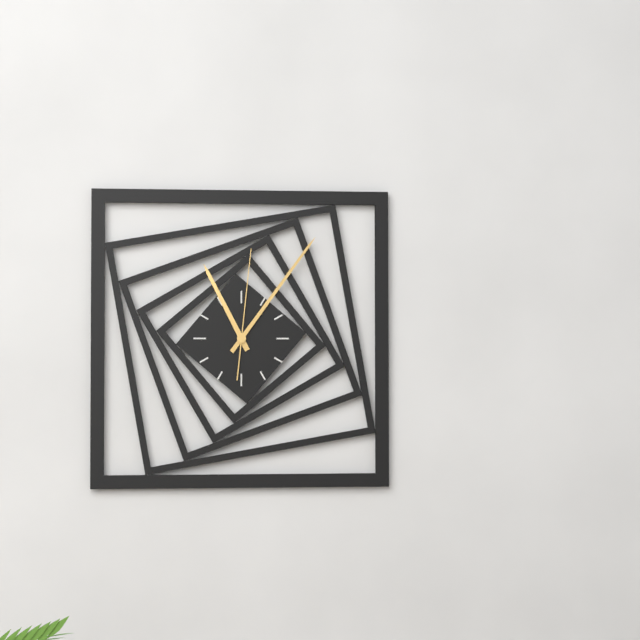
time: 11:06:01
